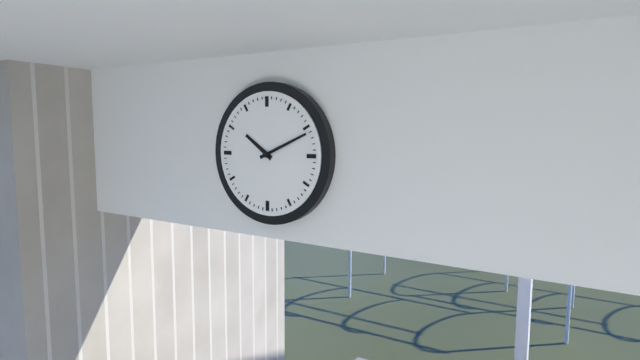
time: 10:11
